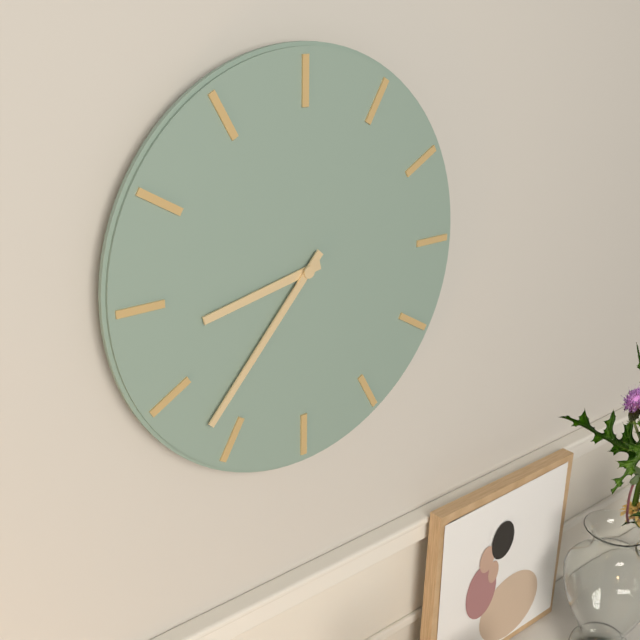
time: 8:37
